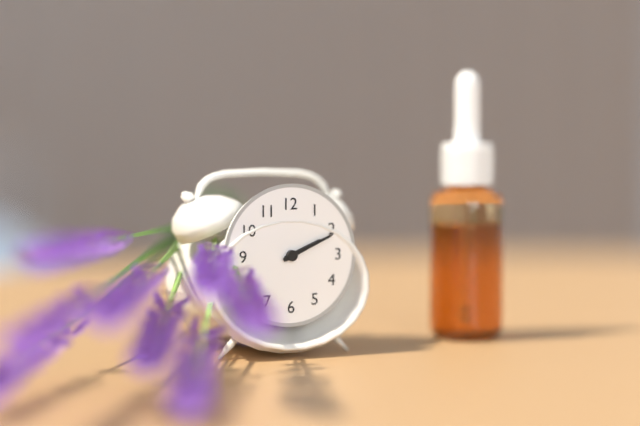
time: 2:11
